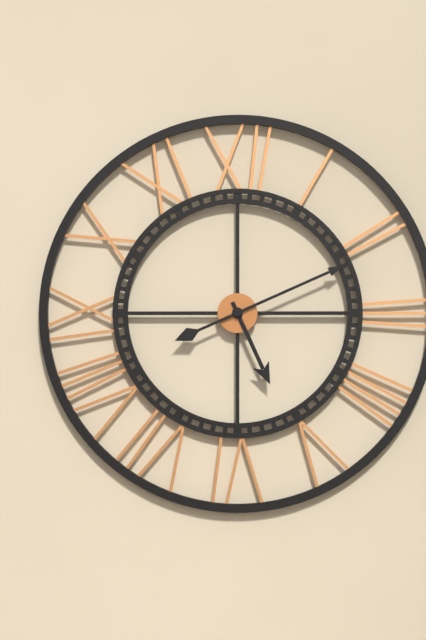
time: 5:11
